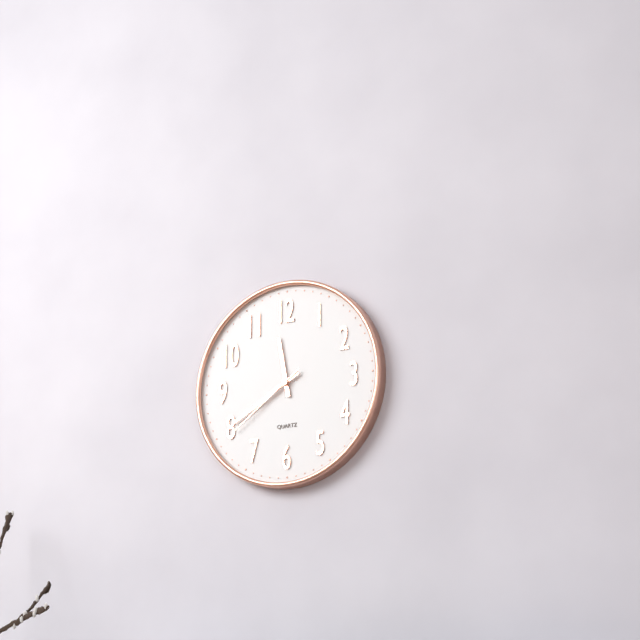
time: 11:40:39
